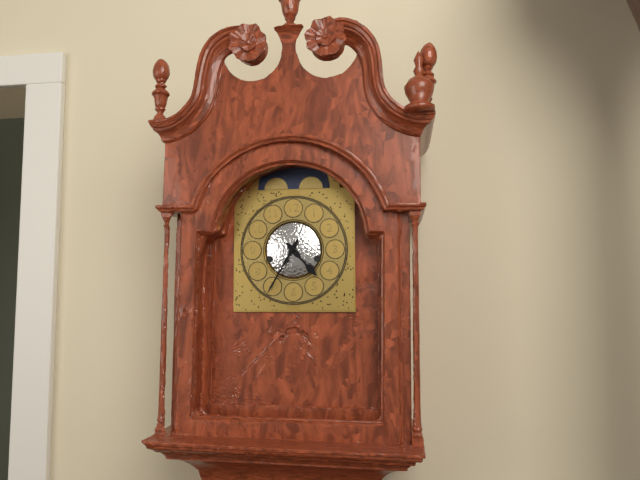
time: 4:35
